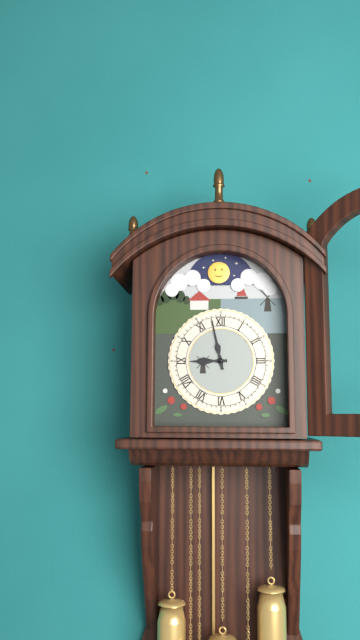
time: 8:58
